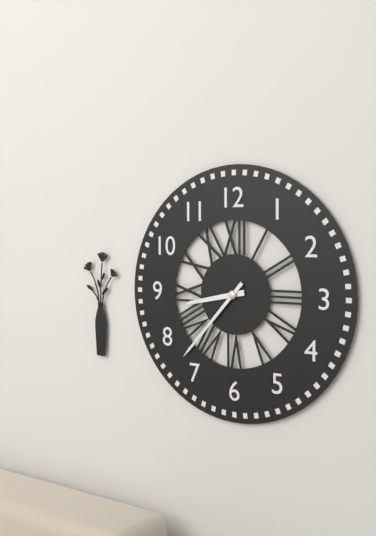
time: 8:37
